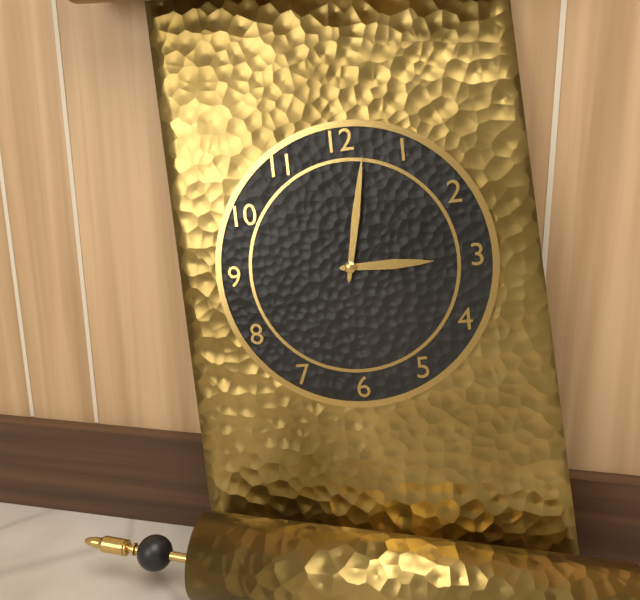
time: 3:02
